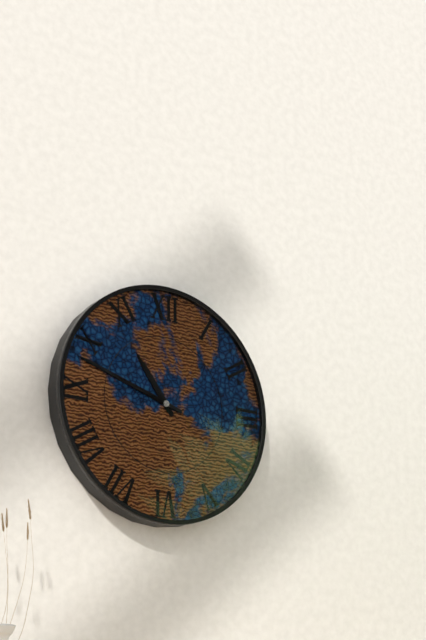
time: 10:48
